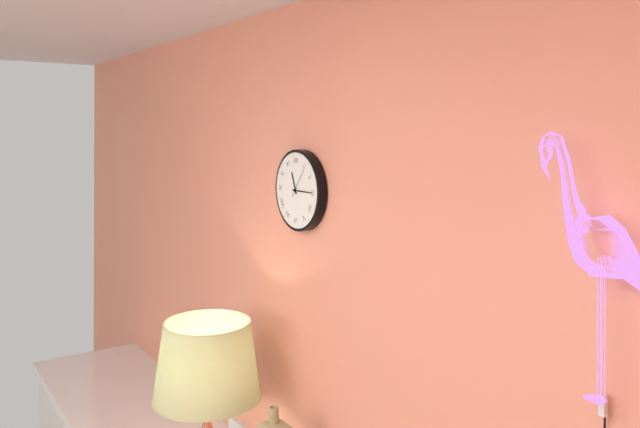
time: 11:15
